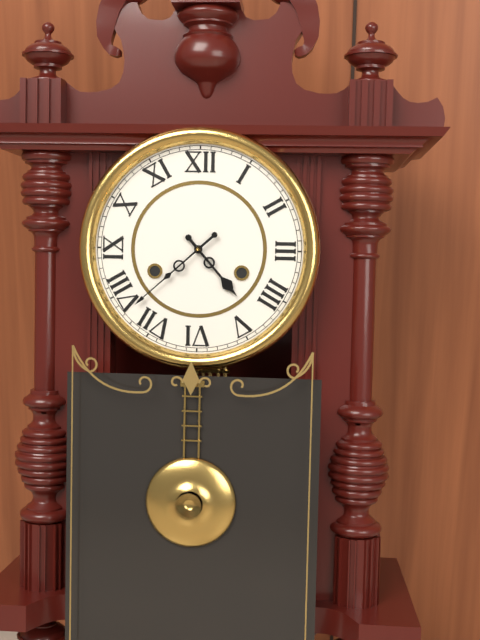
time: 4:38
